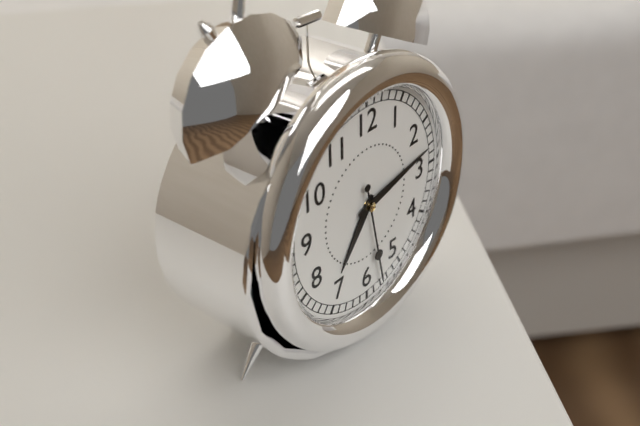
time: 7:13:28
